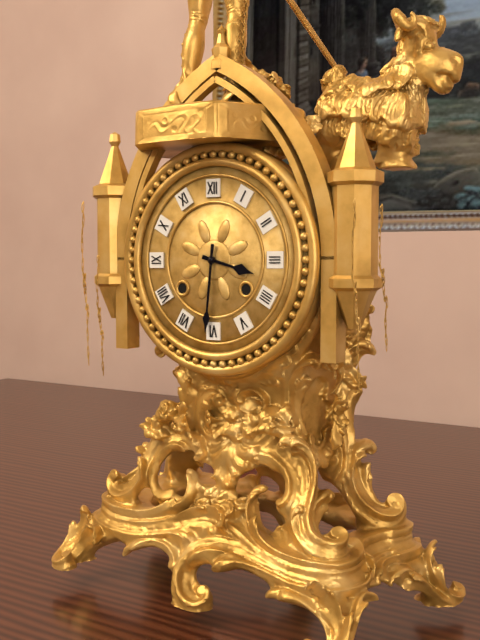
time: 3:31
